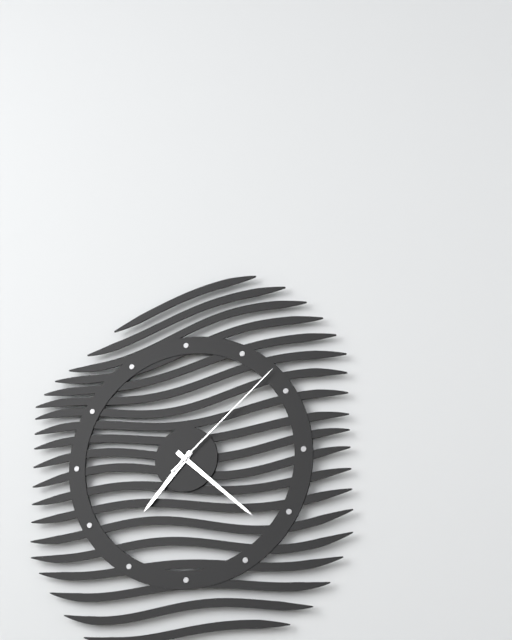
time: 7:22:08
